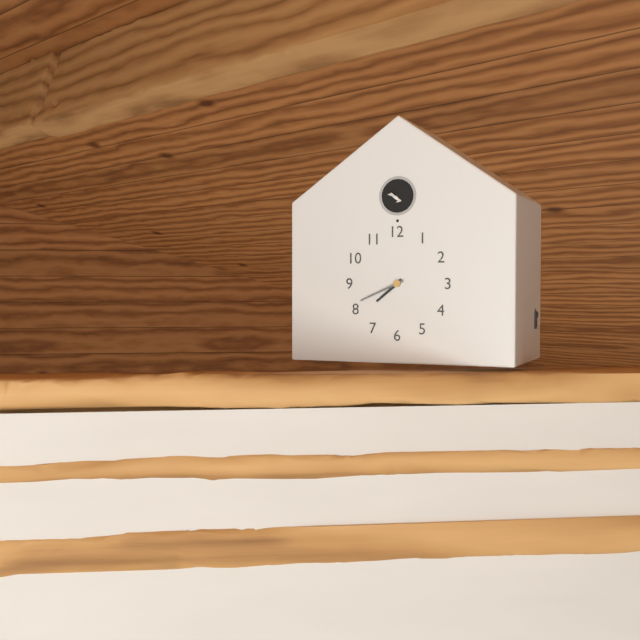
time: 7:41
